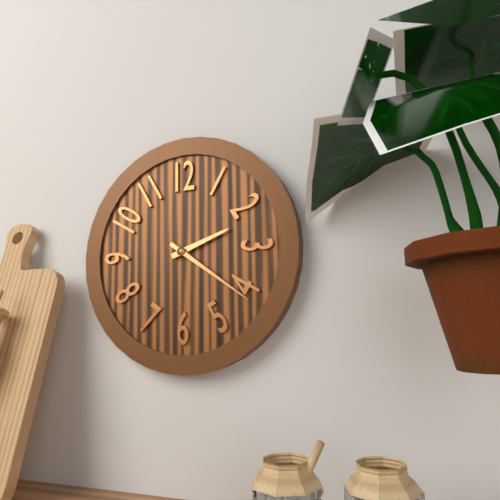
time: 2:21
